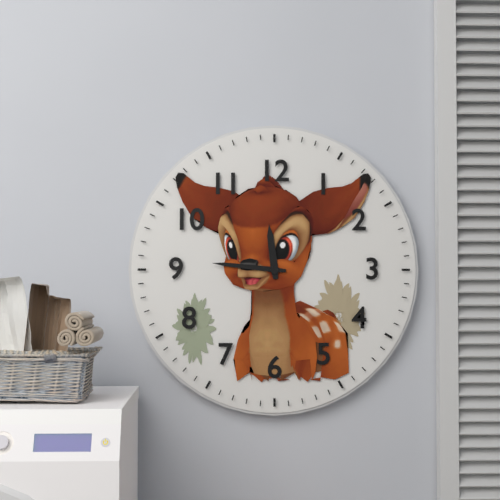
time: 11:46
